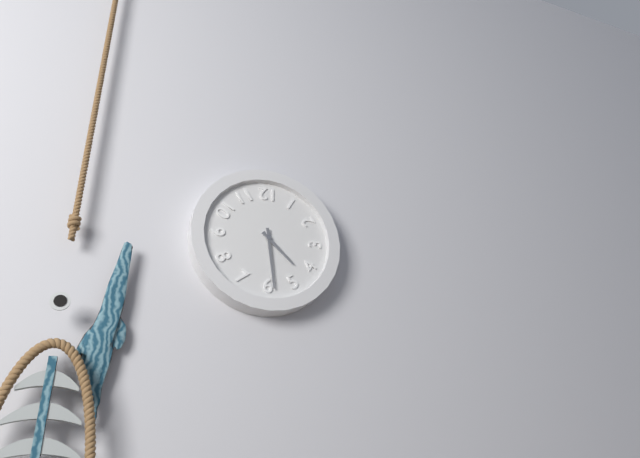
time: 4:29
